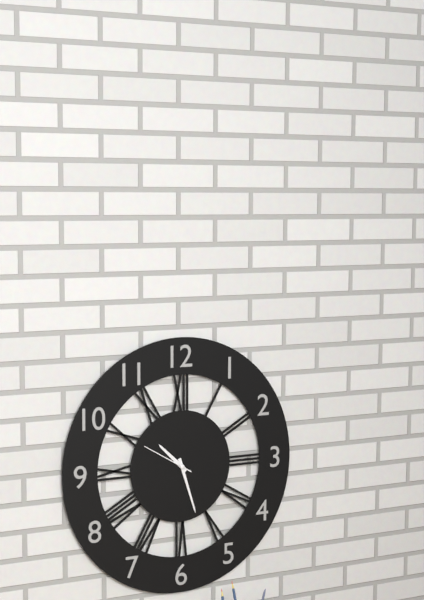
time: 10:27
